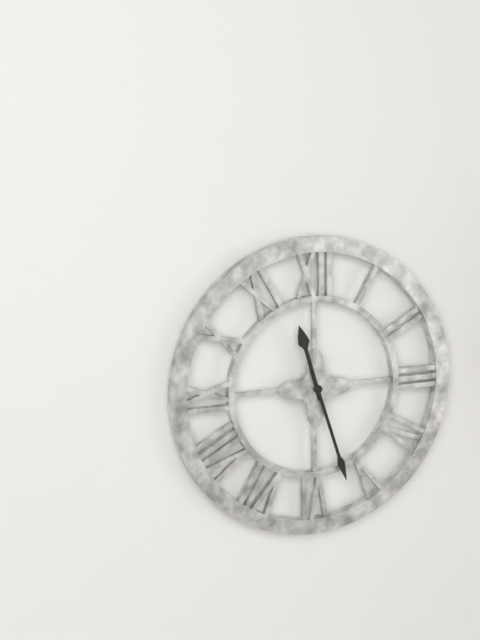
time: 11:27
